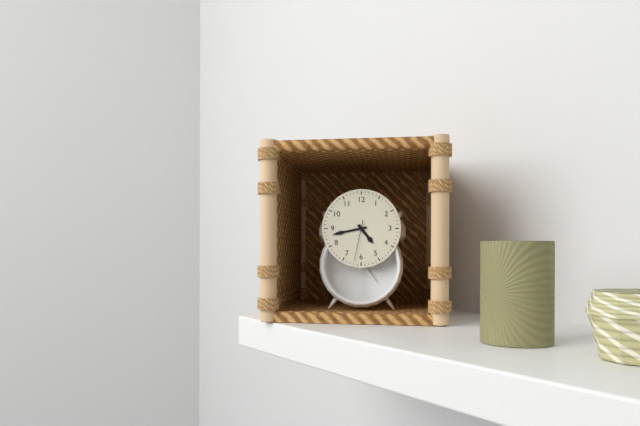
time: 4:43
